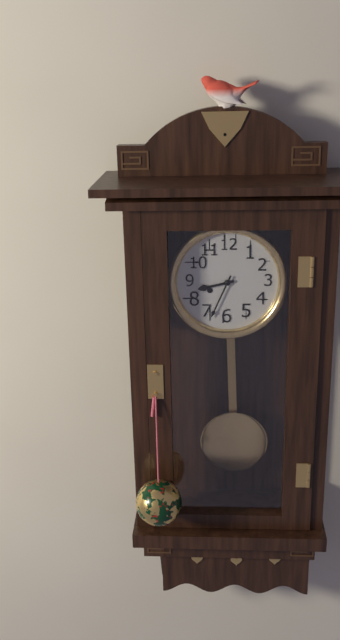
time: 8:34
